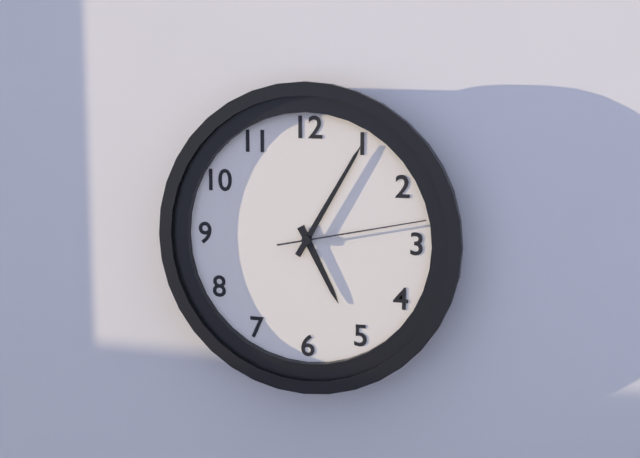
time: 5:05:13
